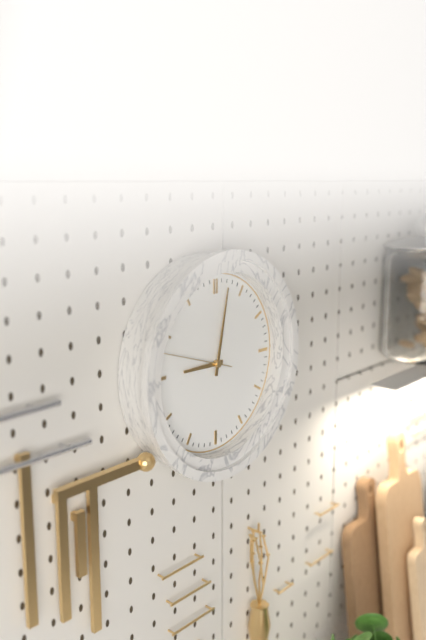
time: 9:02:48
